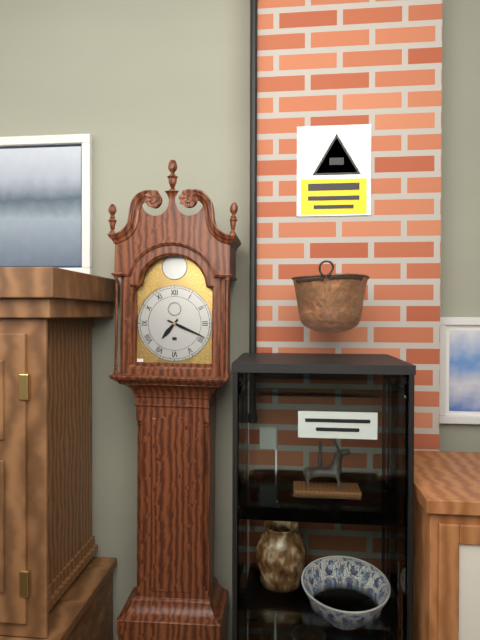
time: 7:19
